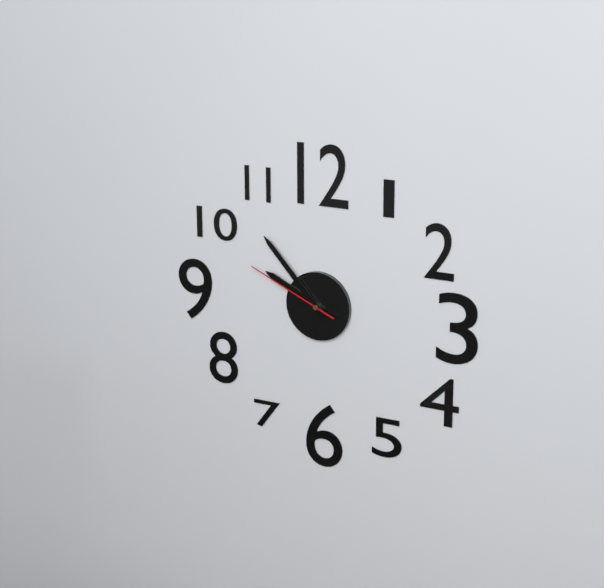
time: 9:53:49
